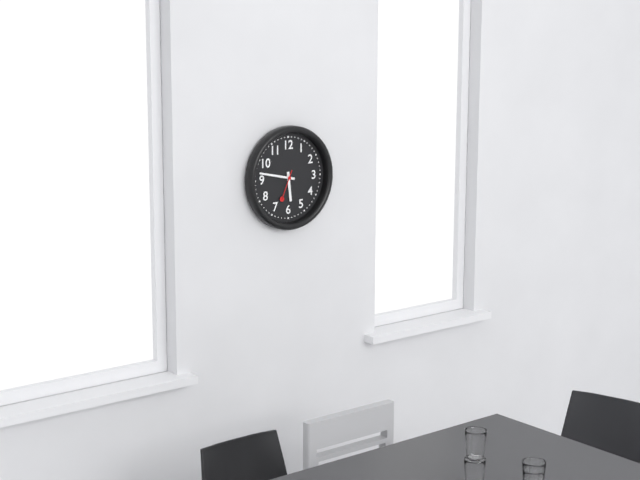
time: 5:47
